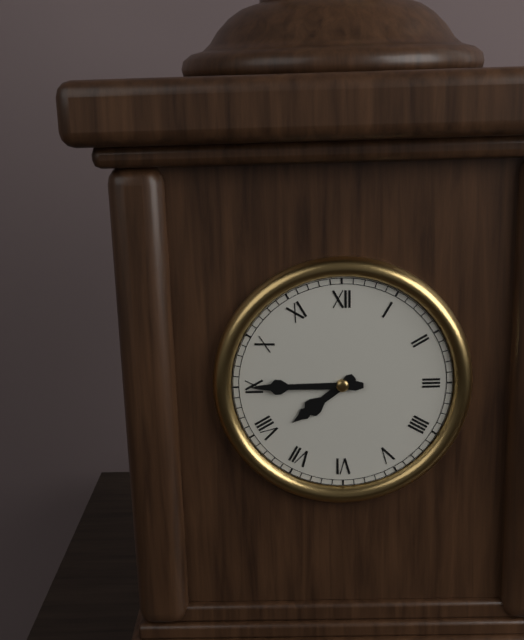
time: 7:45
